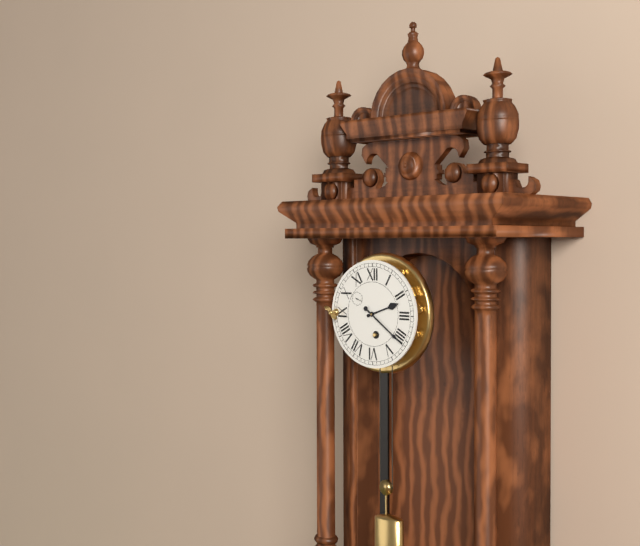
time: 2:21
